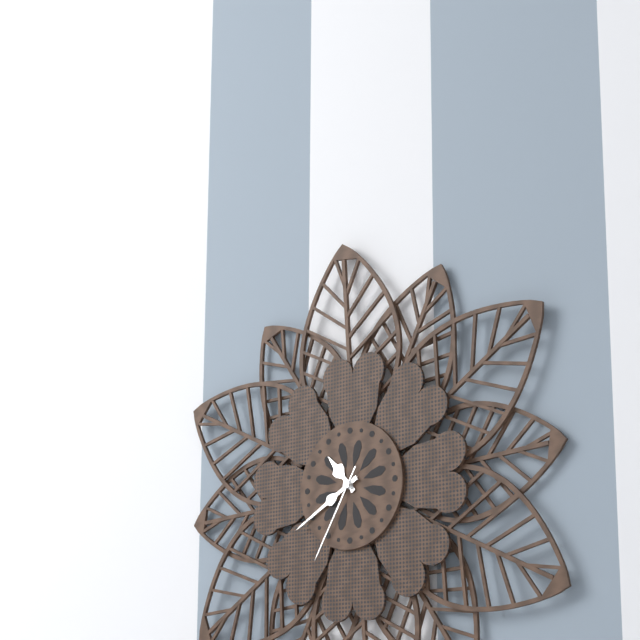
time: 10:40:35
